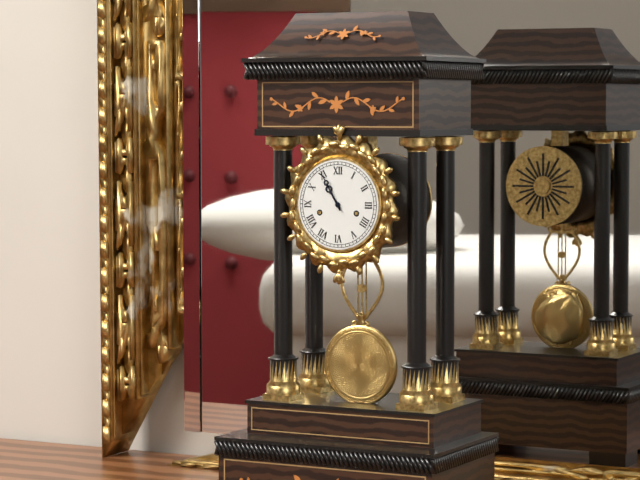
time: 10:55
